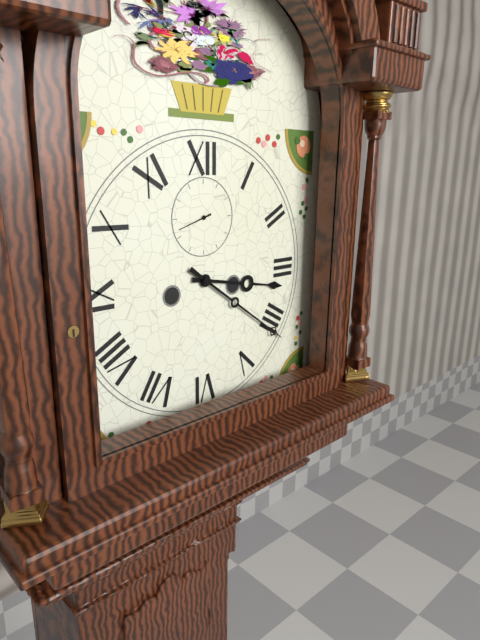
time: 3:21
